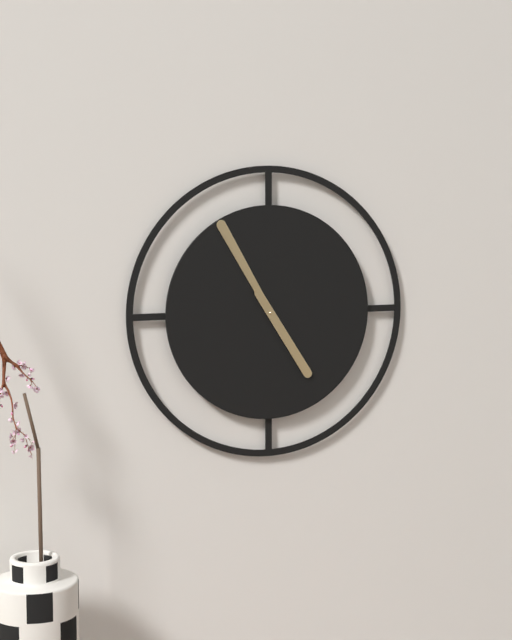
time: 4:55
